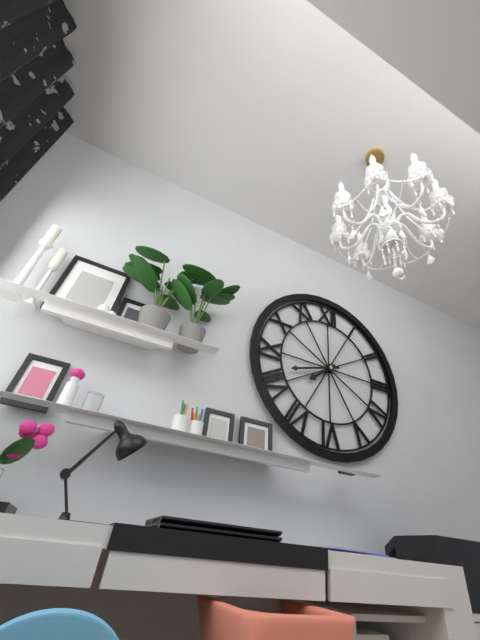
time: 7:42
